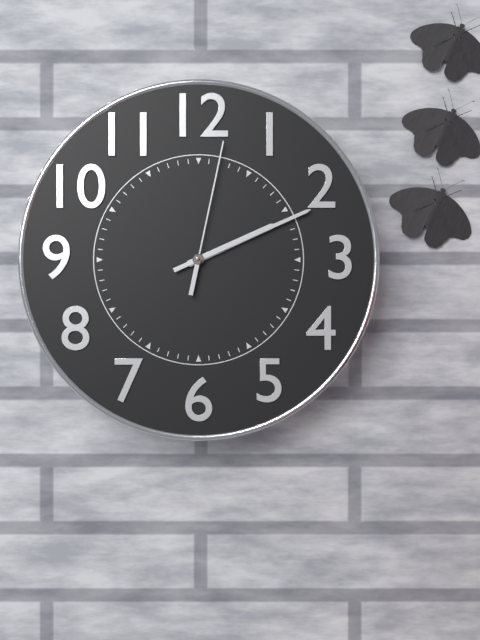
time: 2:11:02
